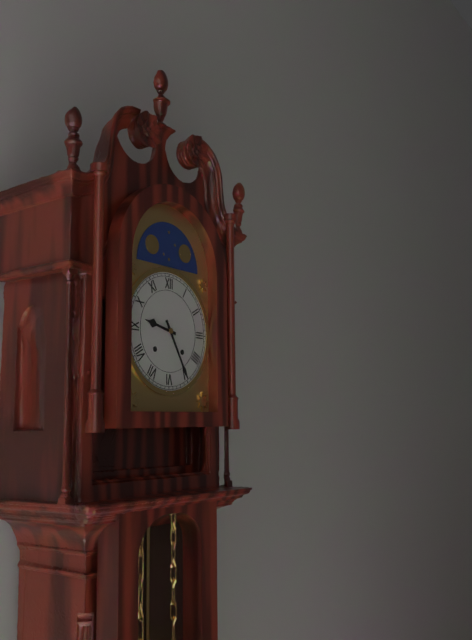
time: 9:25
